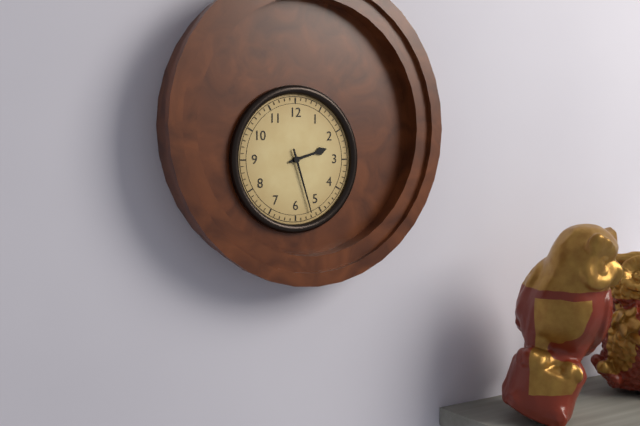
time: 2:27
